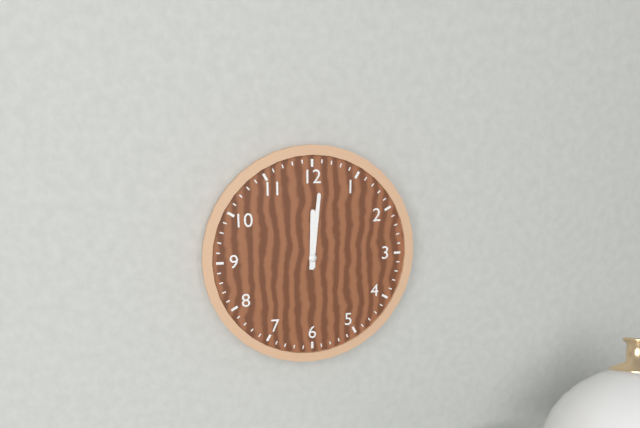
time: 12:01
